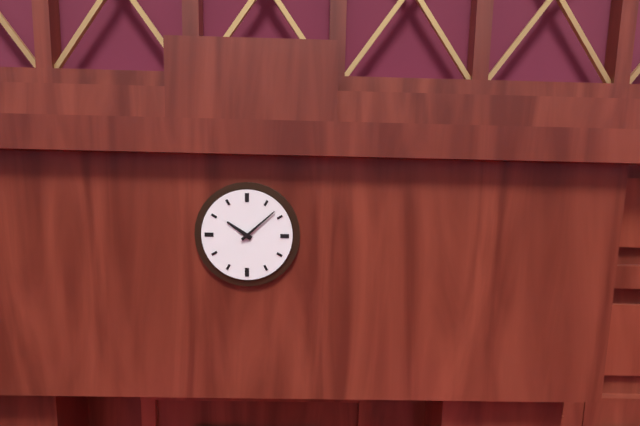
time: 10:08
